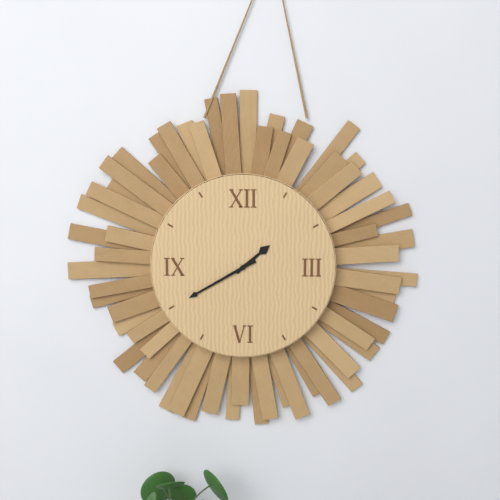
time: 1:40
